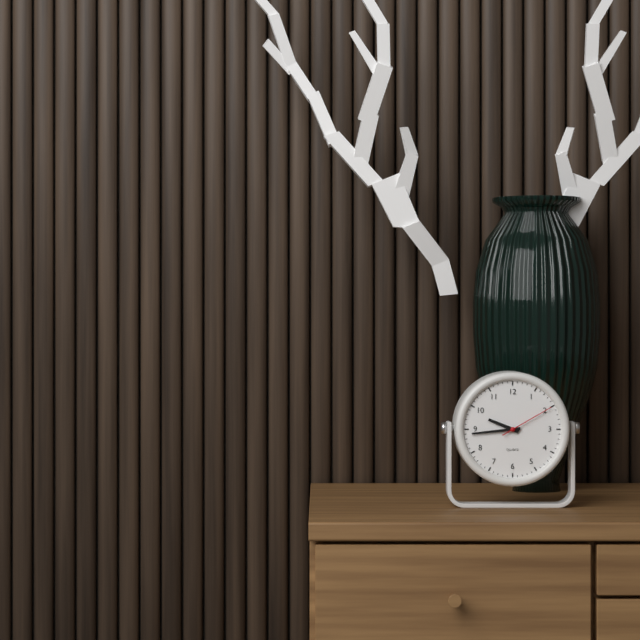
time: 9:44:10
